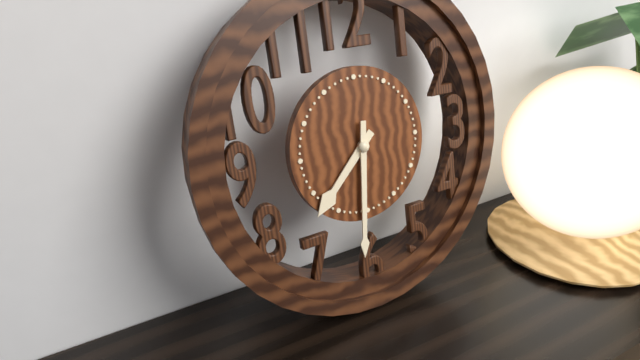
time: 7:31
